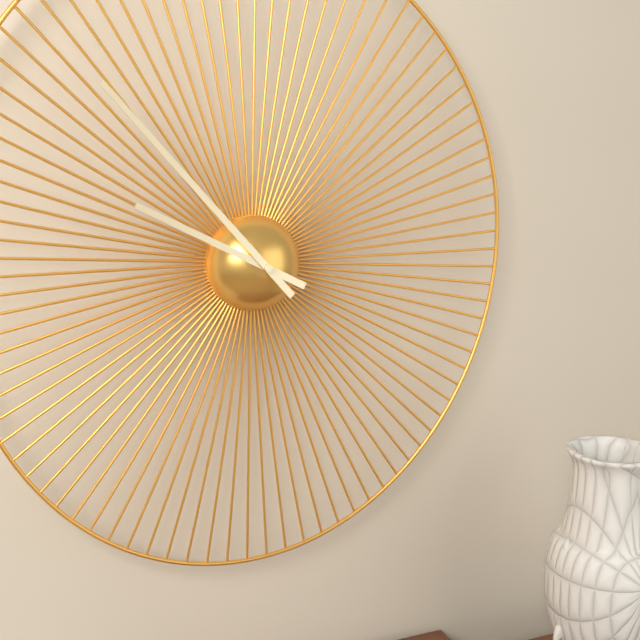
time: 9:53
